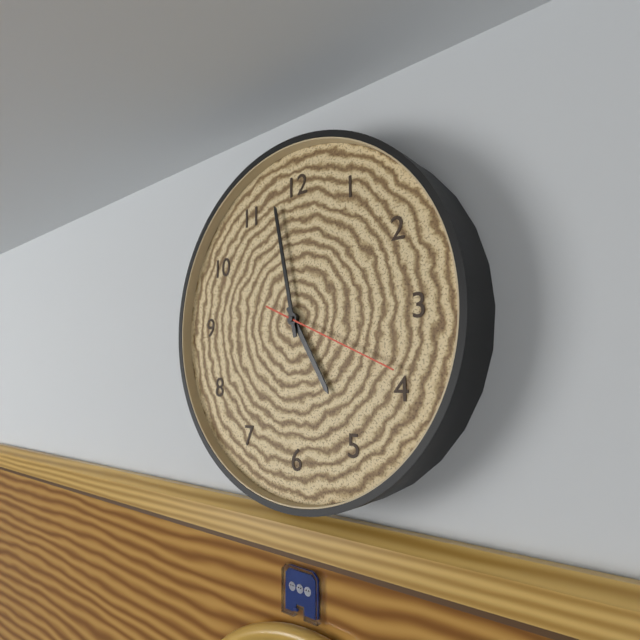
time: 4:58:19
